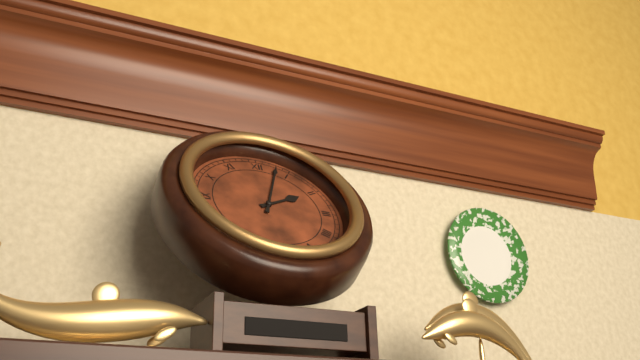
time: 2:03
